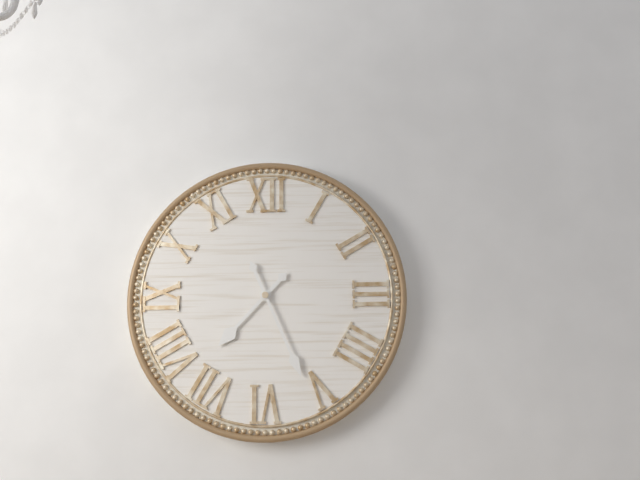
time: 7:26
